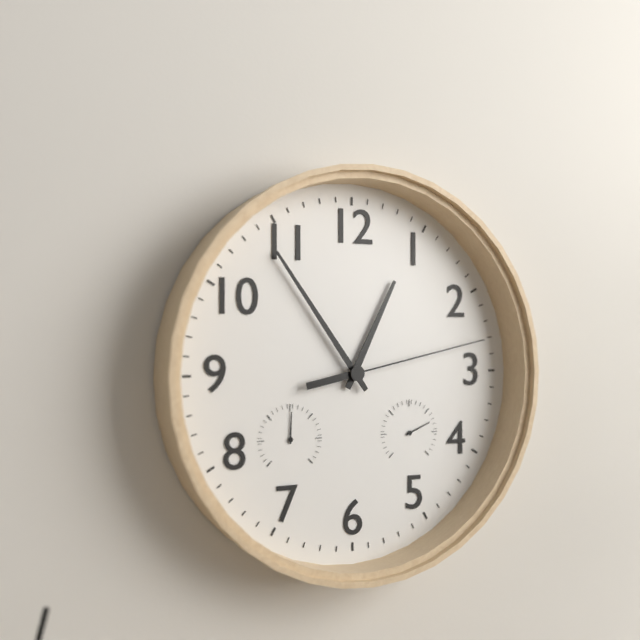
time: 12:54:13
